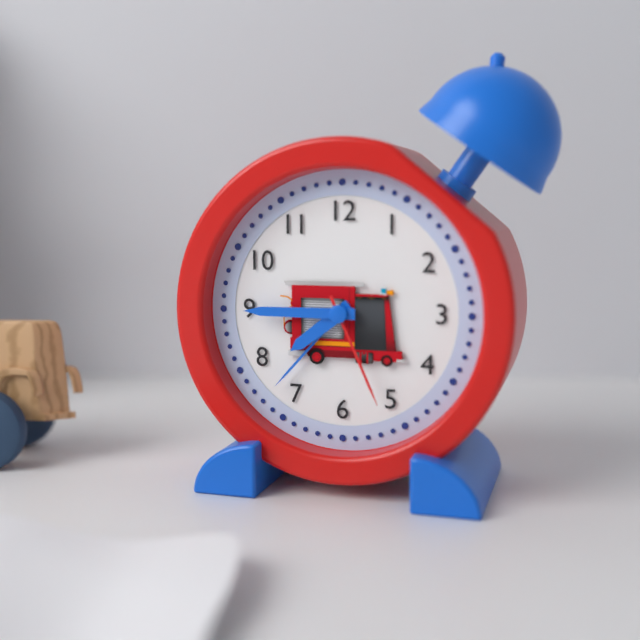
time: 7:45:26
